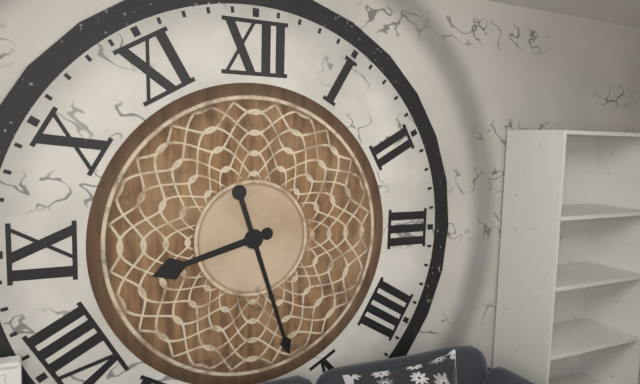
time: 8:27
